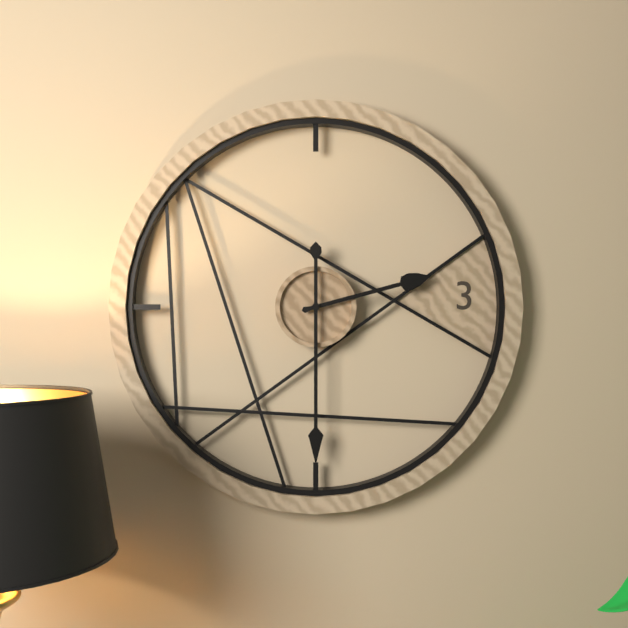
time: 2:30
